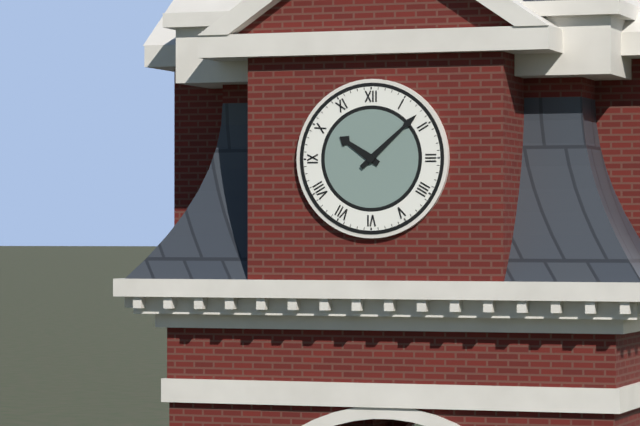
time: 10:08
